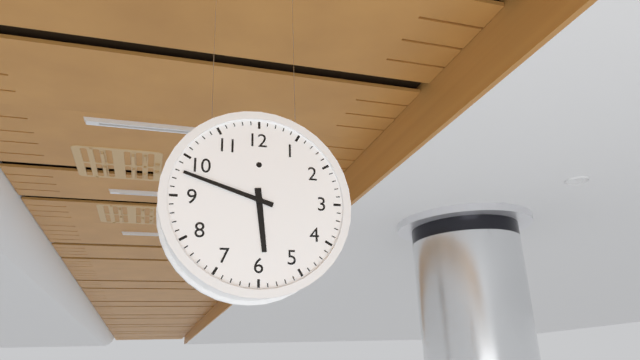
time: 5:48
